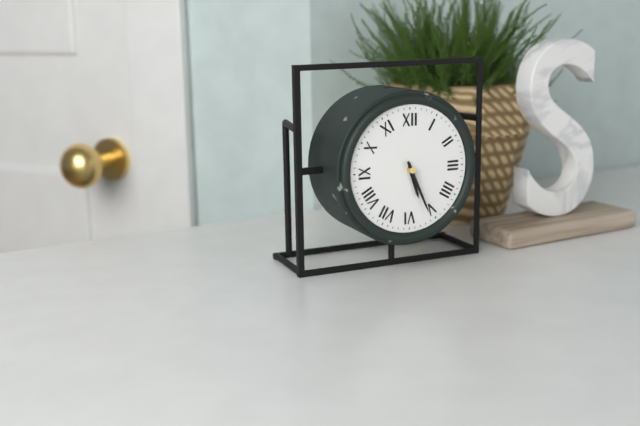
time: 5:26
